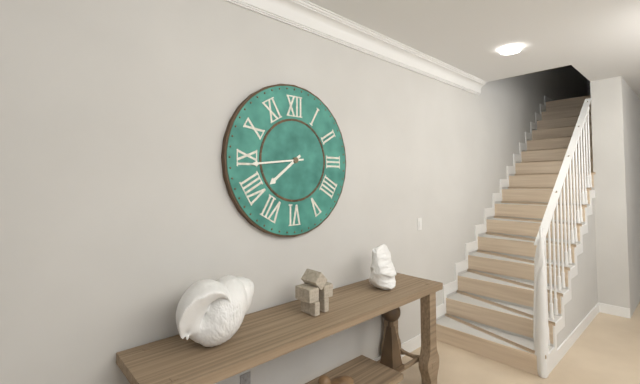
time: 7:44
